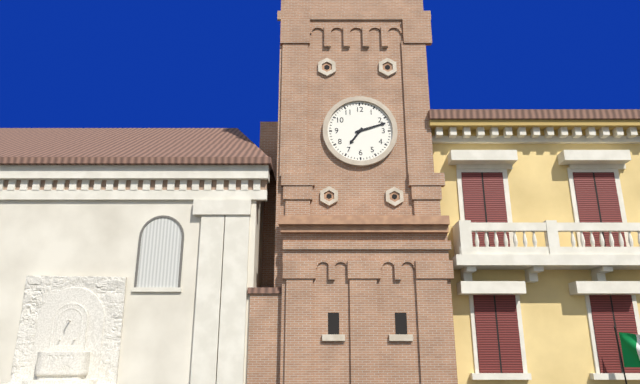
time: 7:12
